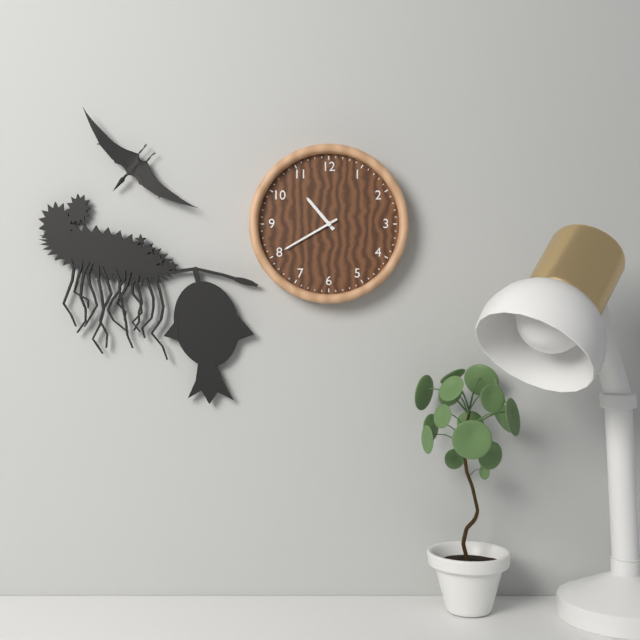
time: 10:40
